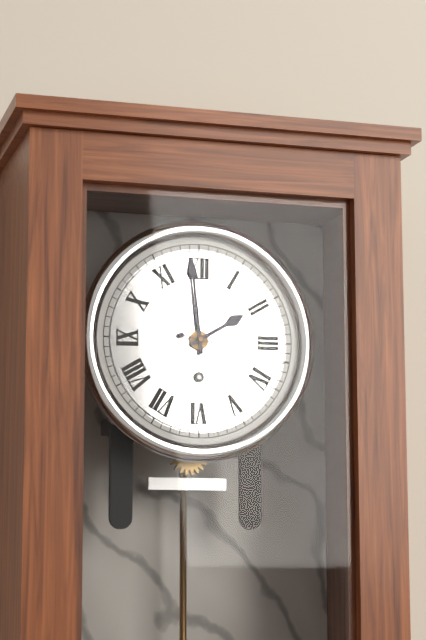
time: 1:59:17
